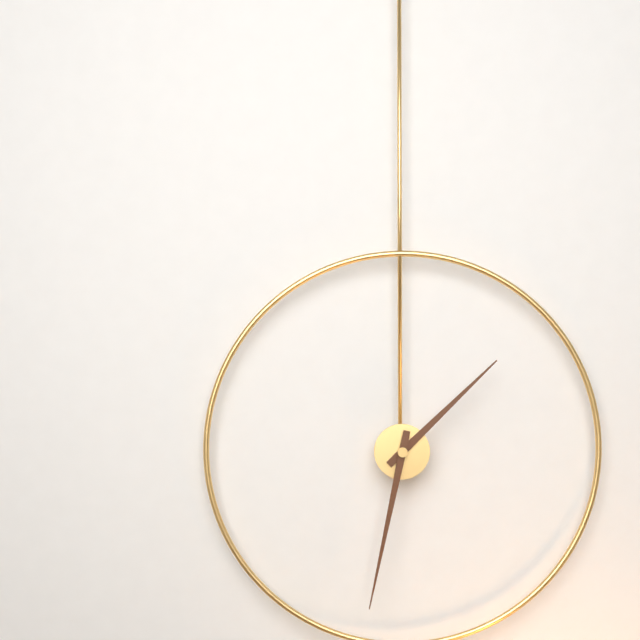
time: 1:32
